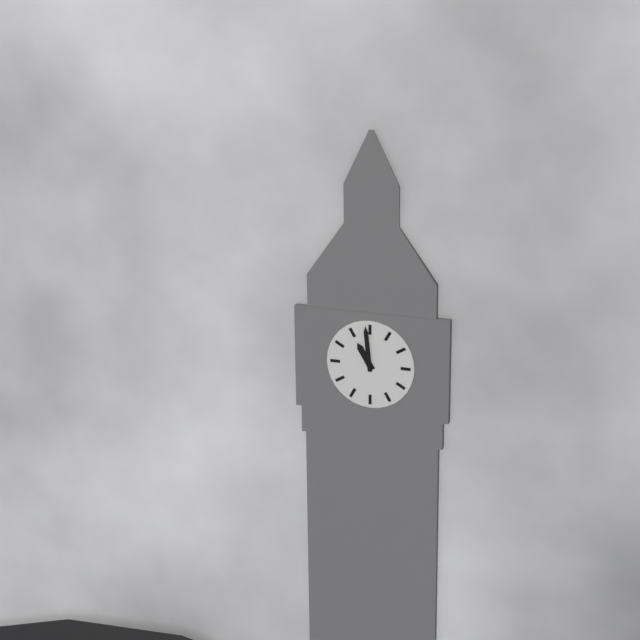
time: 10:59
